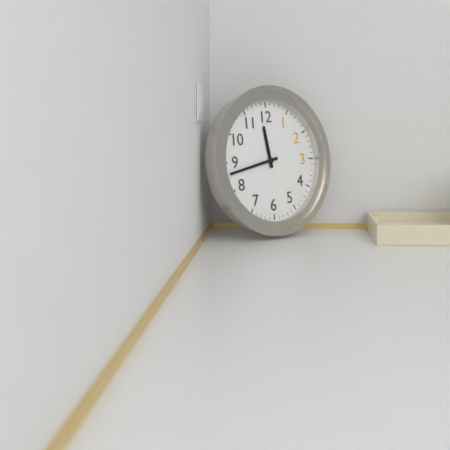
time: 11:43
